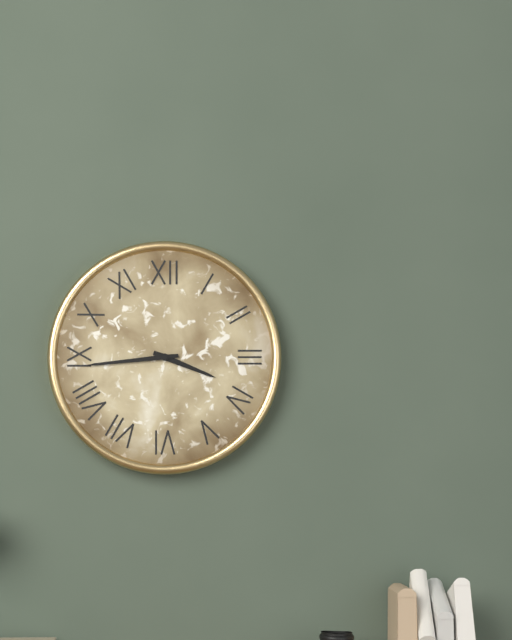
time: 3:44
